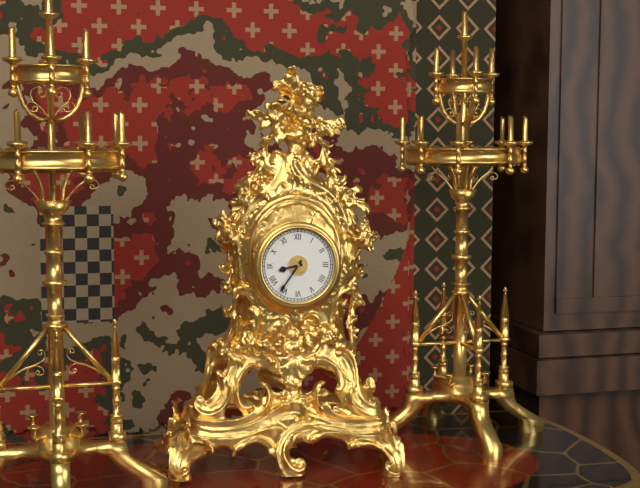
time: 8:36
